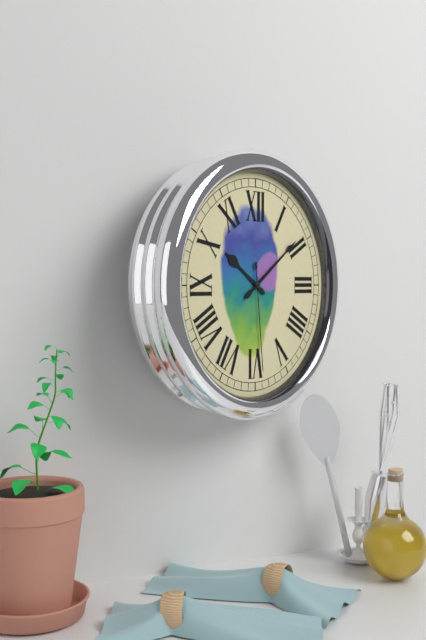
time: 10:09:29
